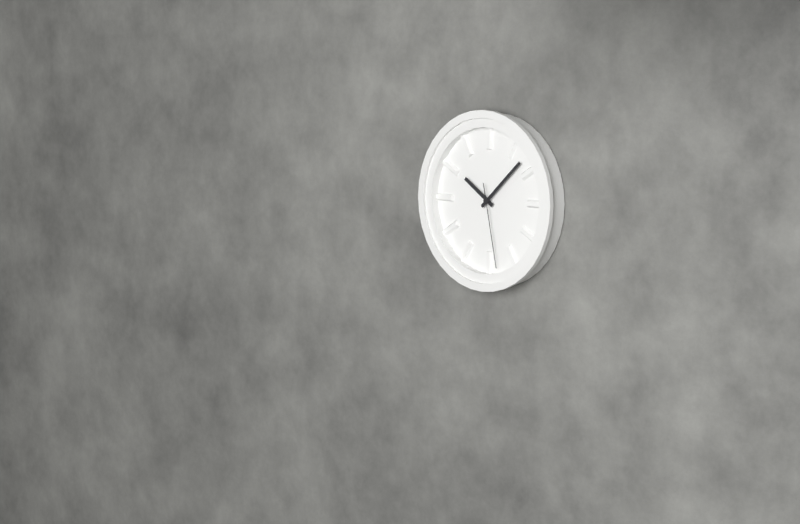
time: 10:08:28
